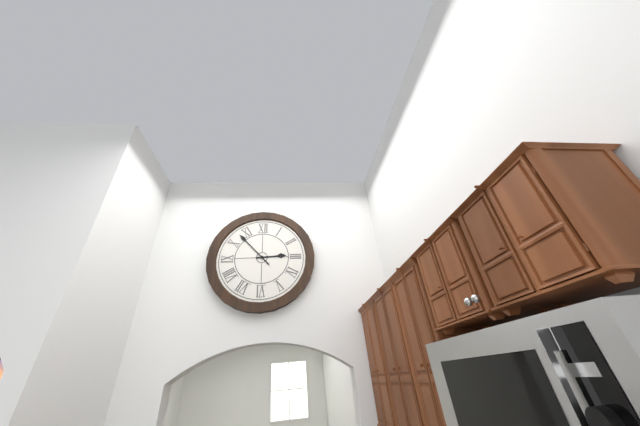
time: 2:53
